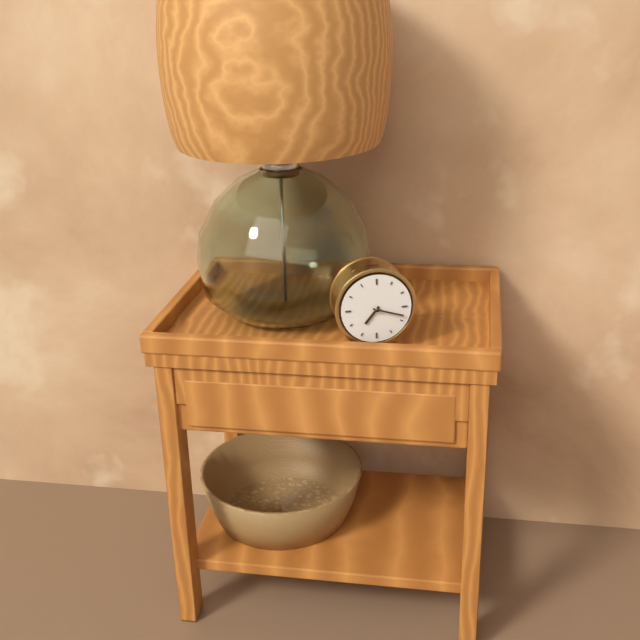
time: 7:18
